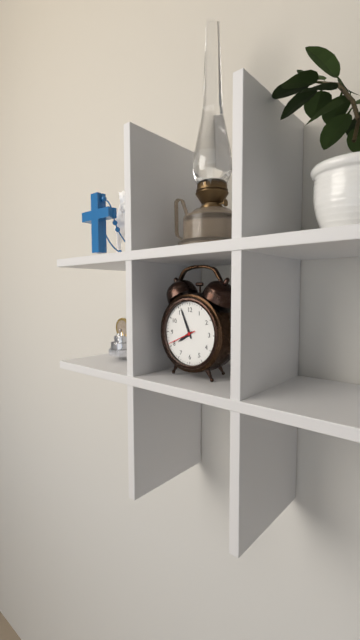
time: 7:56
